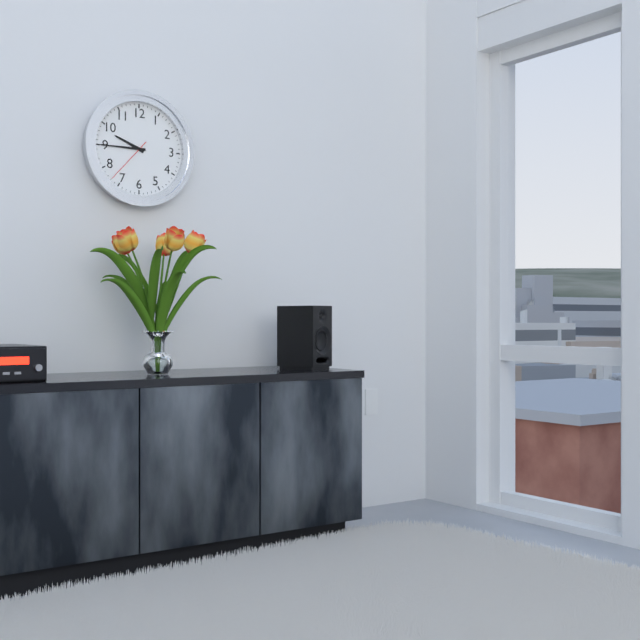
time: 9:45:37
